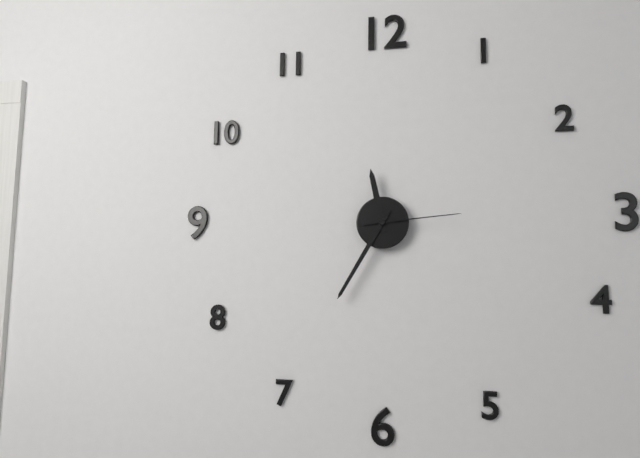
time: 11:35:14
